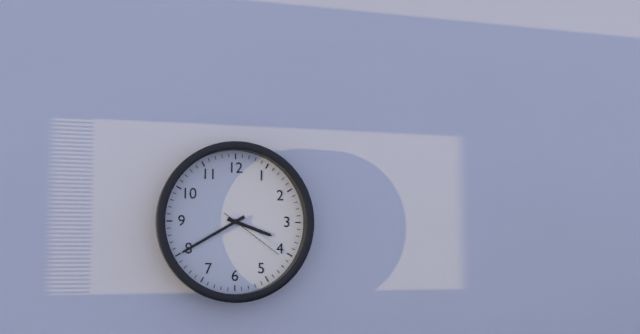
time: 3:40:21
